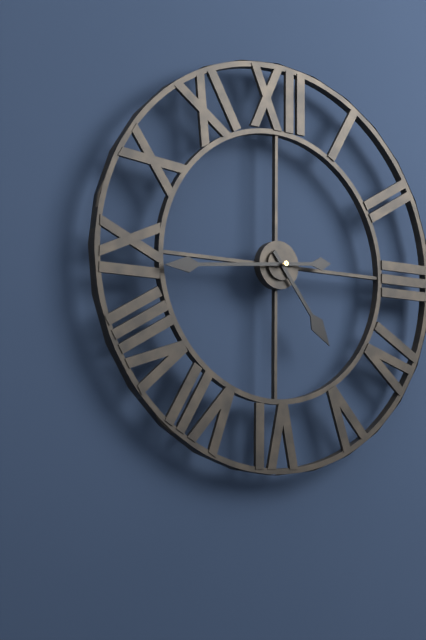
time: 4:44
